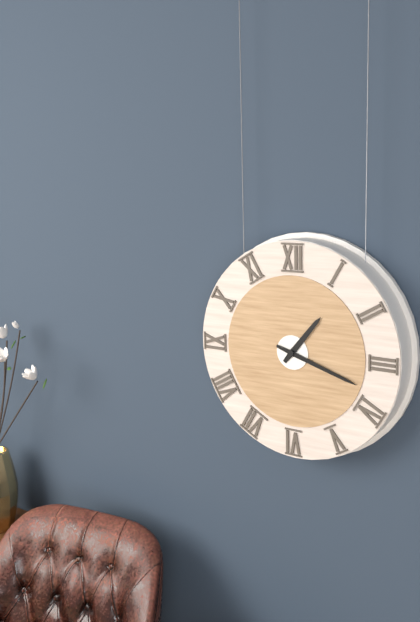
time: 1:18
